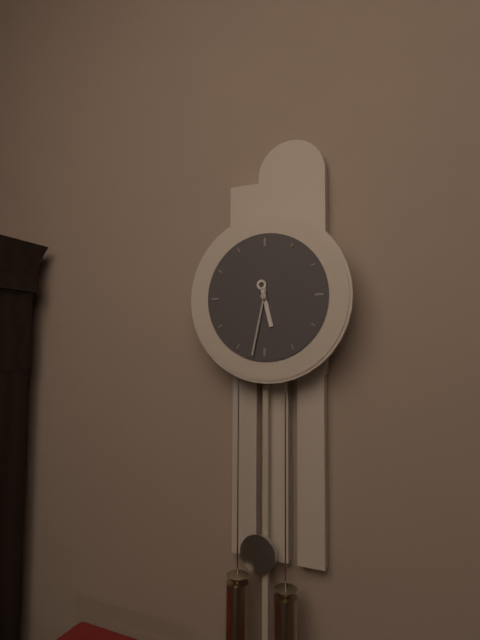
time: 5:32
